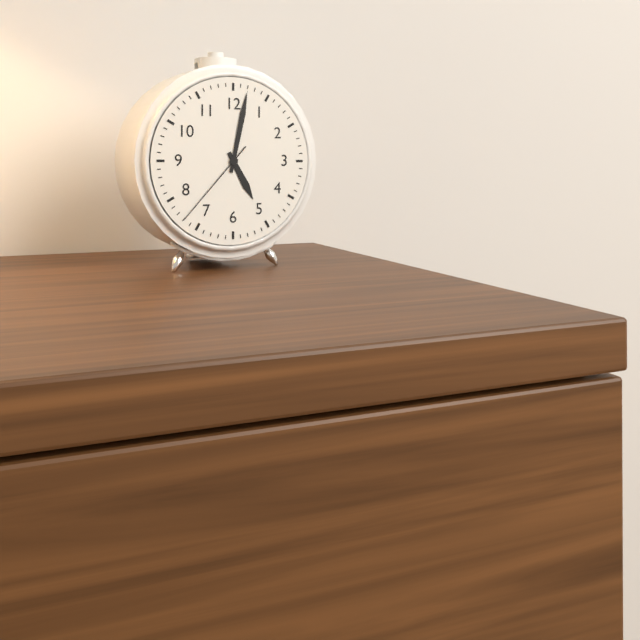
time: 5:02:37
